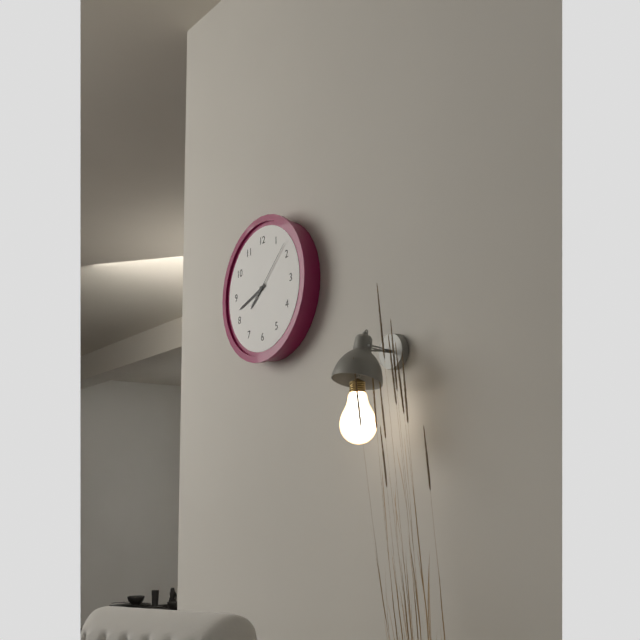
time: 7:42:08
